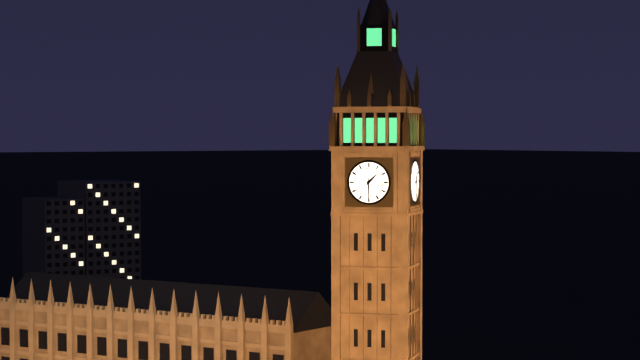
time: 1:30
